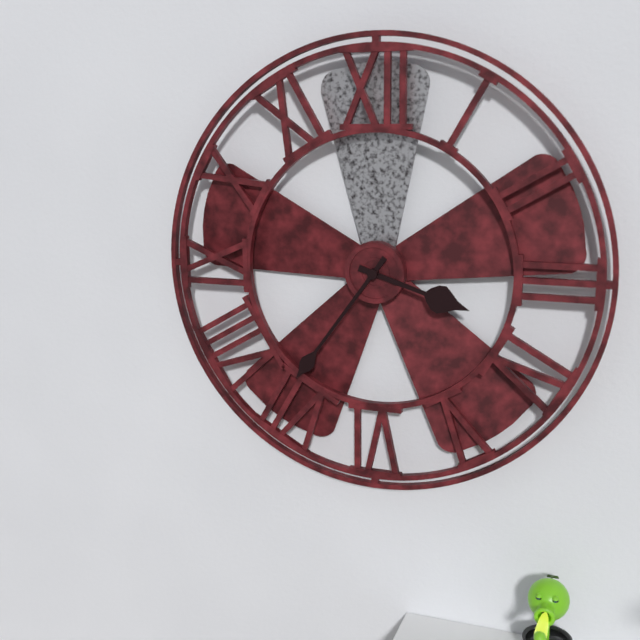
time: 3:36
